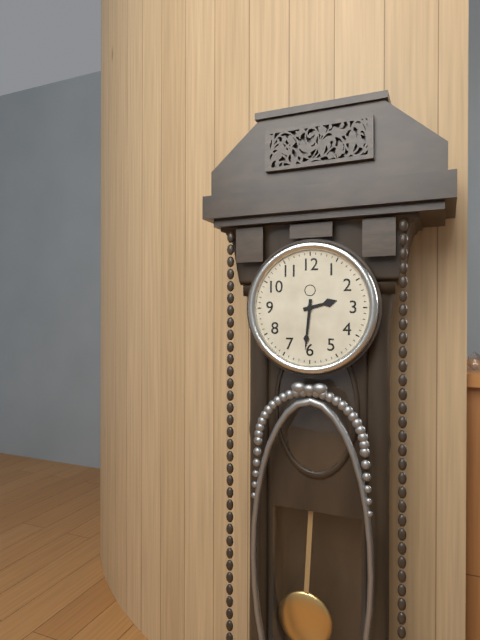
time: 2:31
